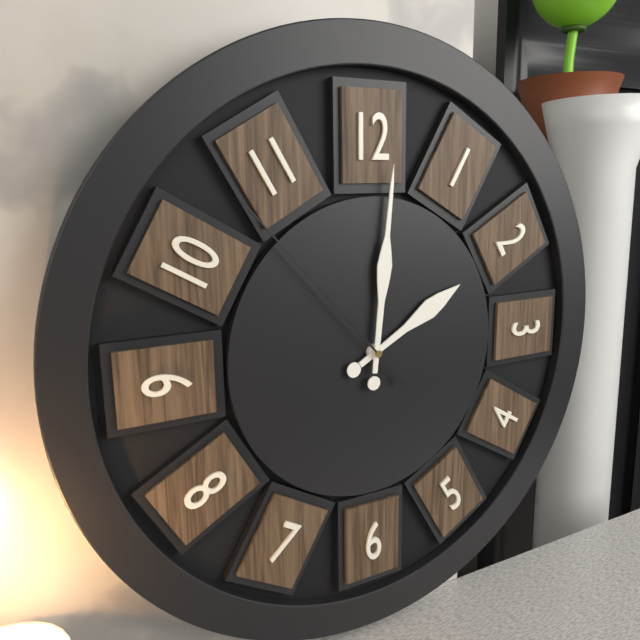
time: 2:01:53
